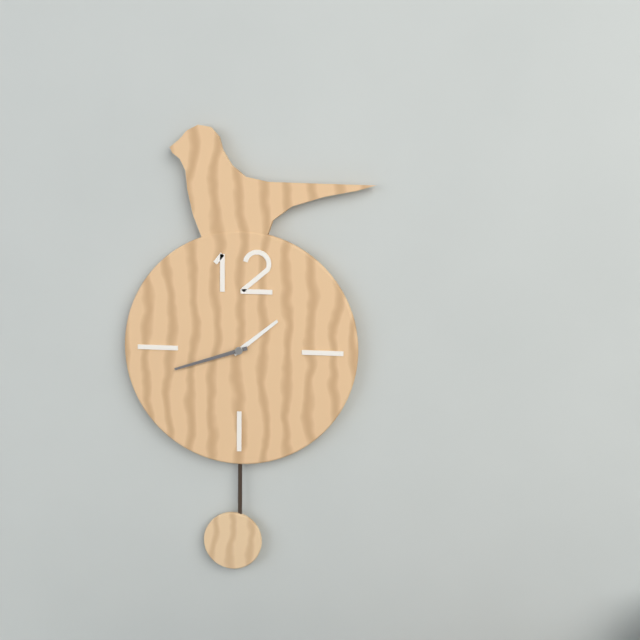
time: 1:42
